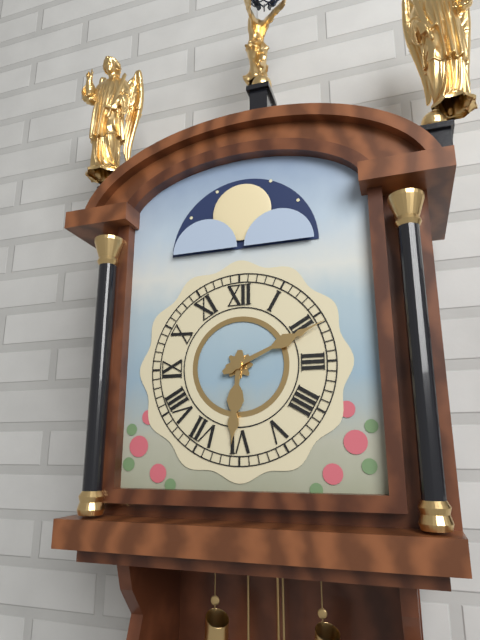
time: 6:11
